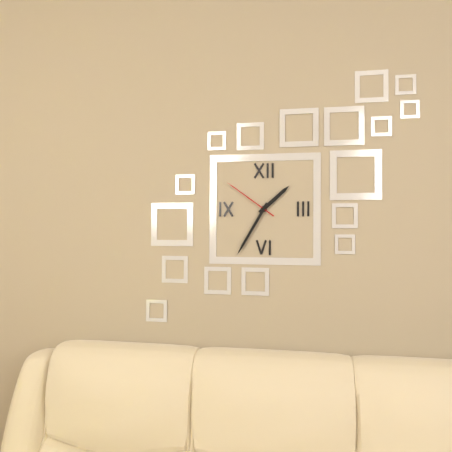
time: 1:35:51
